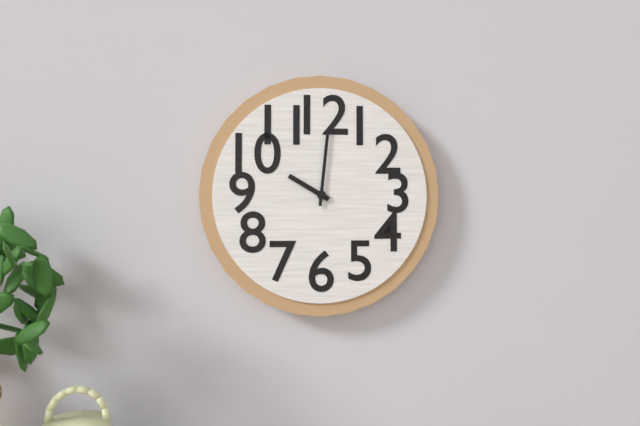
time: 10:01
